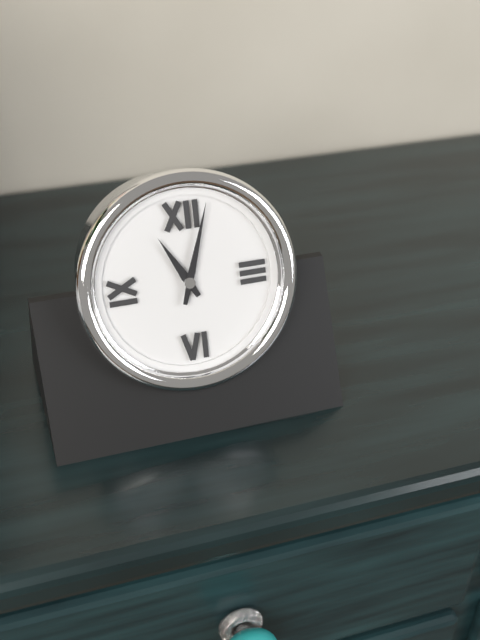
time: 11:03
